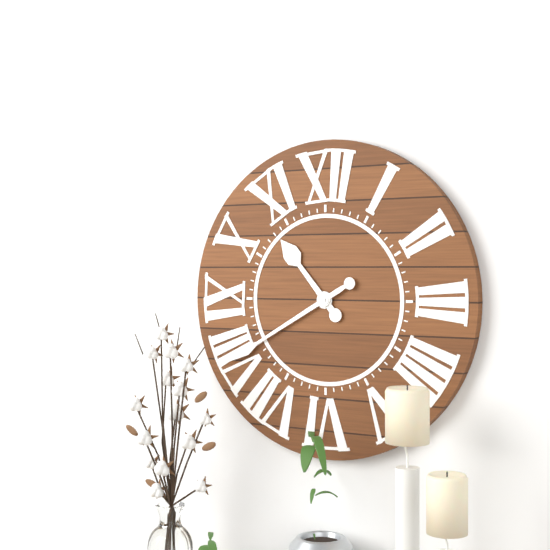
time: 10:40
